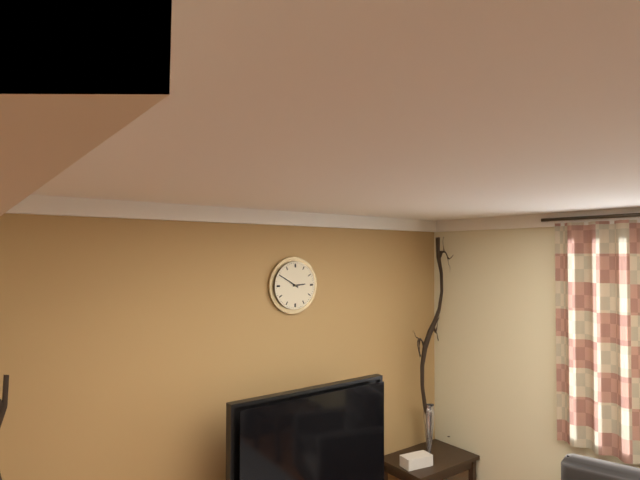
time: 2:50
